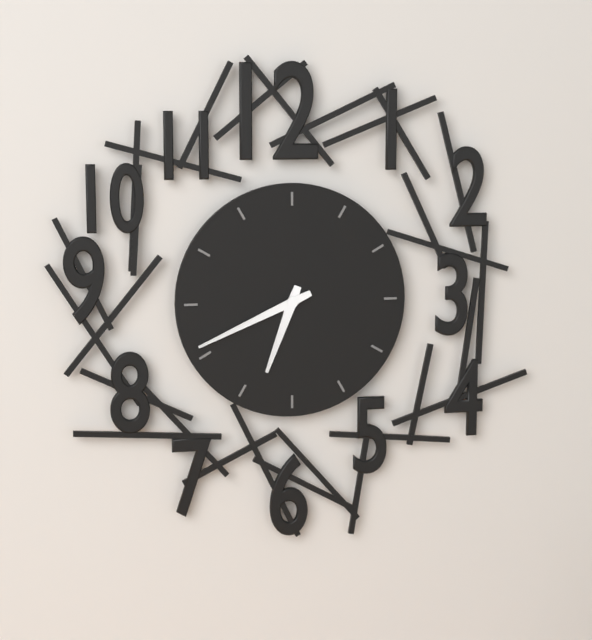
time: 6:41
